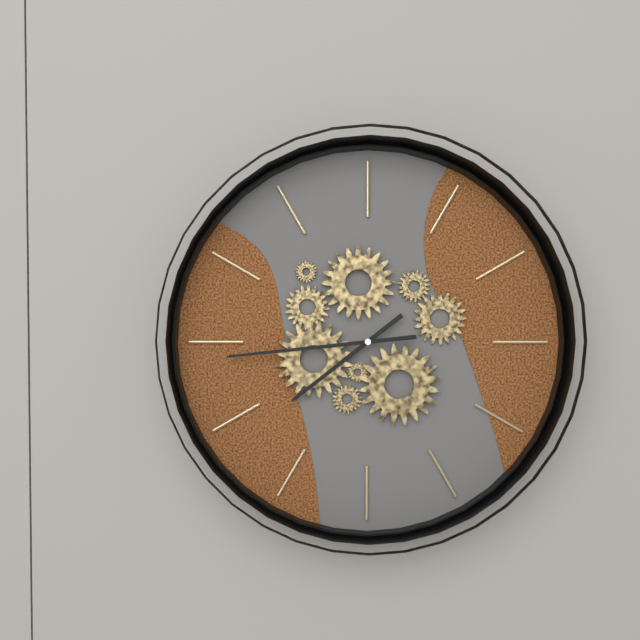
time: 7:44
